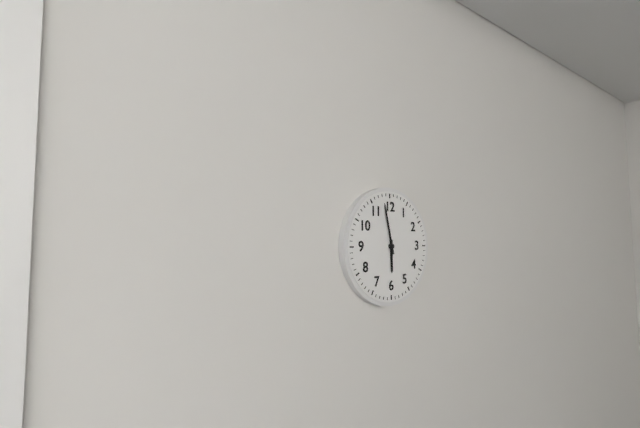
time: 5:58
